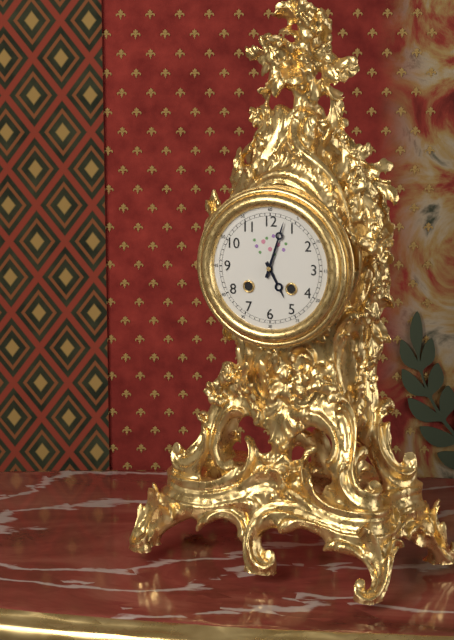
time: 5:03
